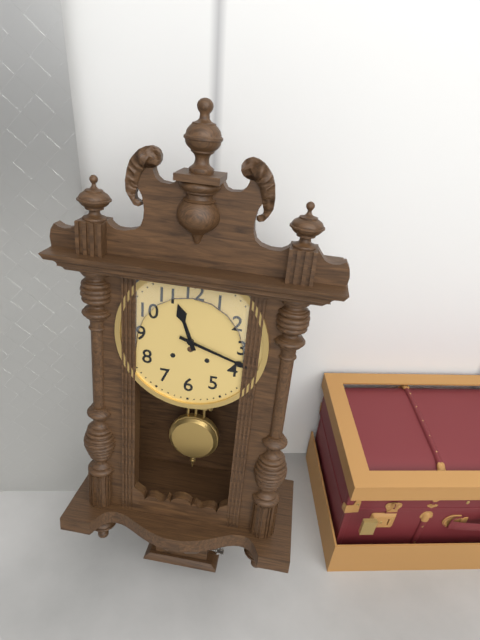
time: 11:18
